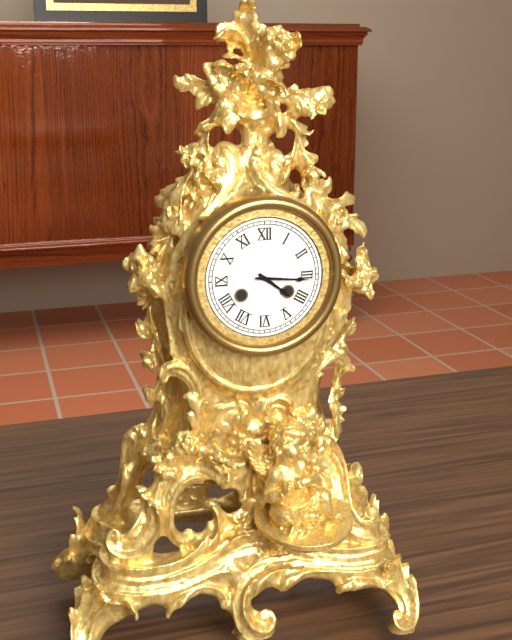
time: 4:16
